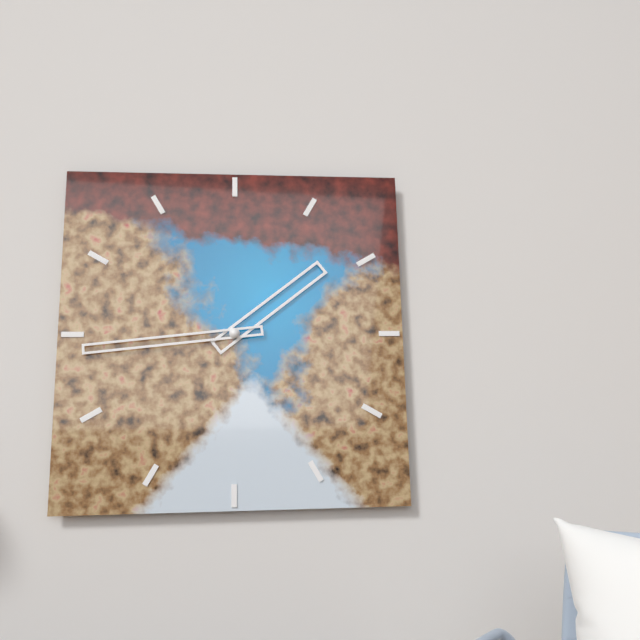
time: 1:44
